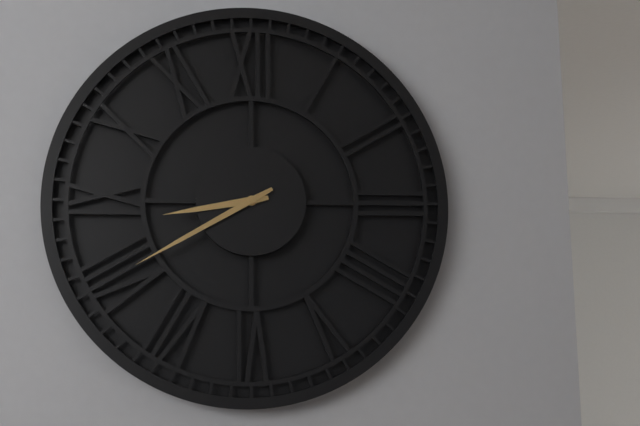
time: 8:40
